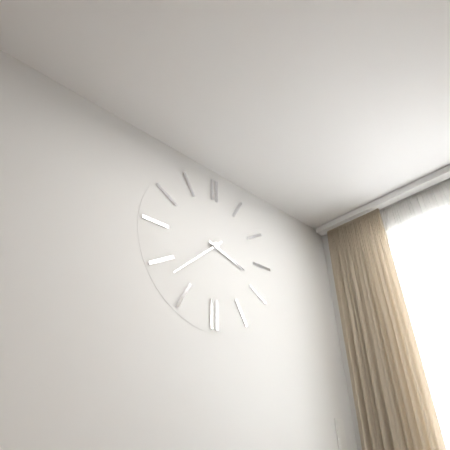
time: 3:38
